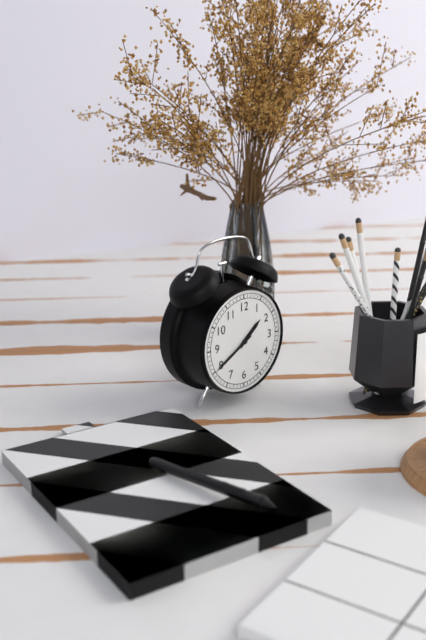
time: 1:40
